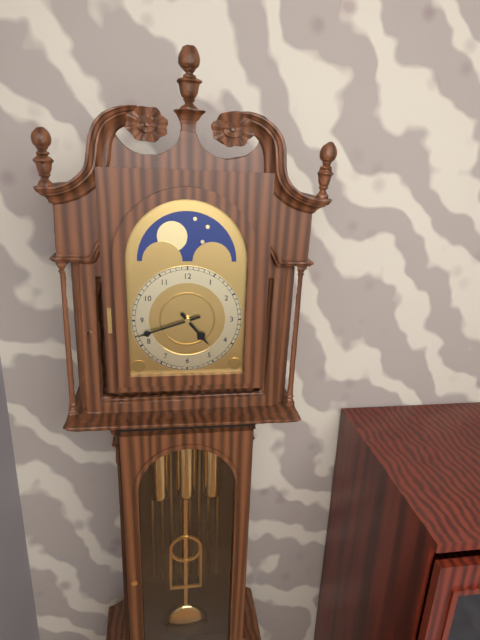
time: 4:42
